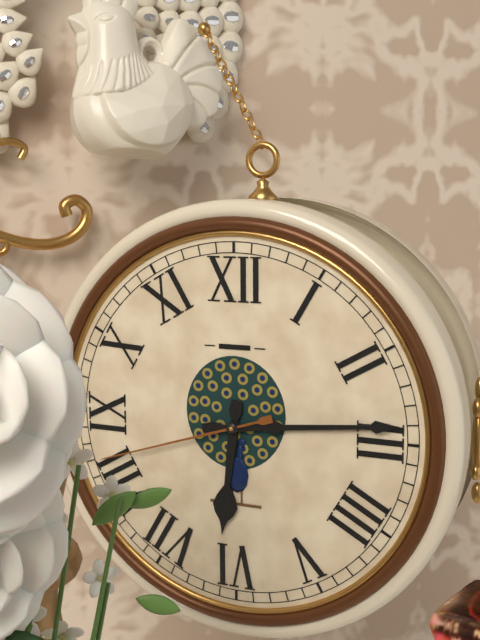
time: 6:14:42
